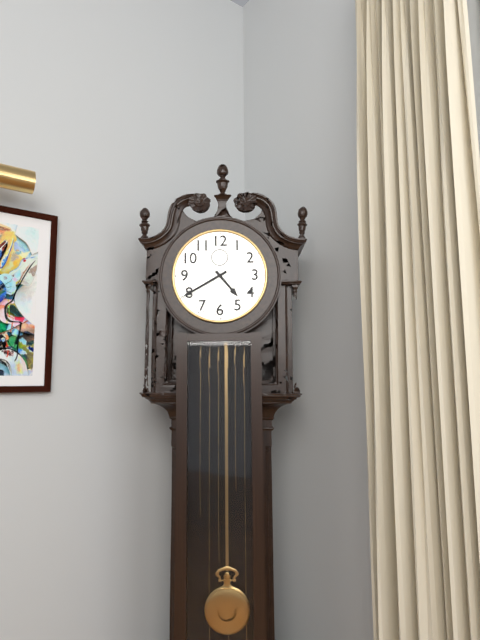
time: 4:40
